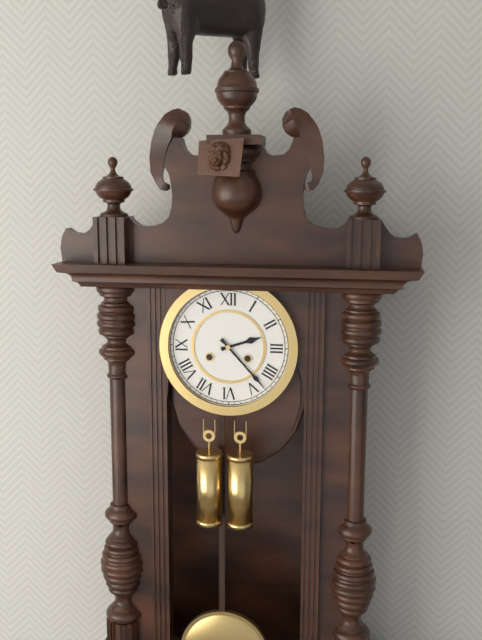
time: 2:23
